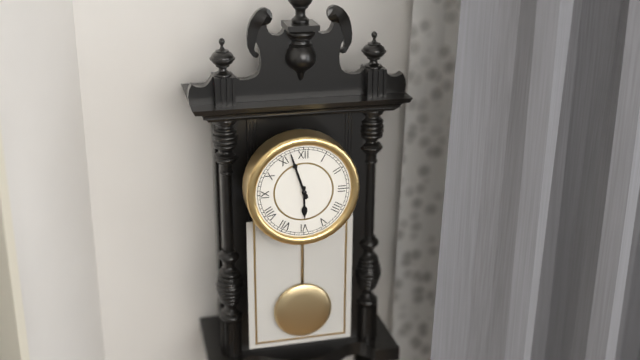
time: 5:57
